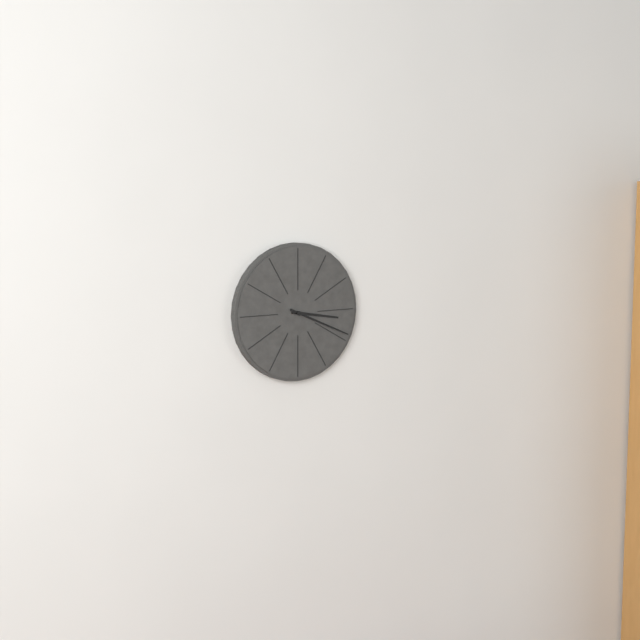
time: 3:19
